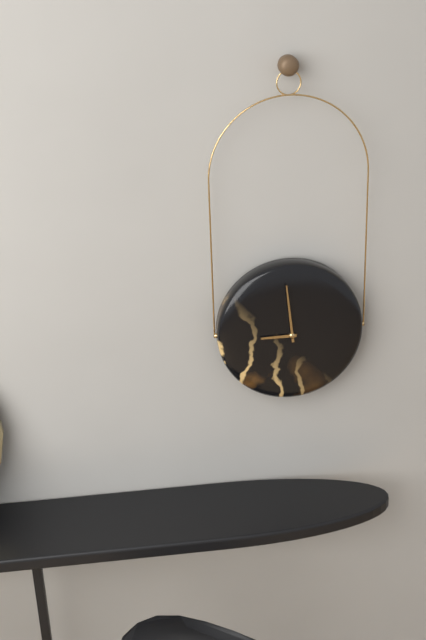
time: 8:59
